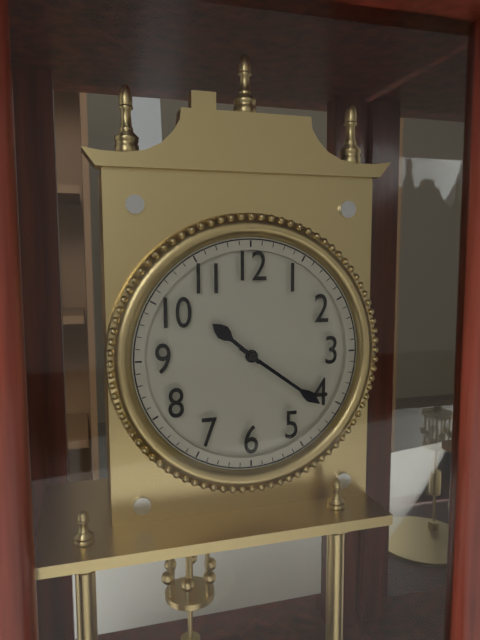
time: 10:21
